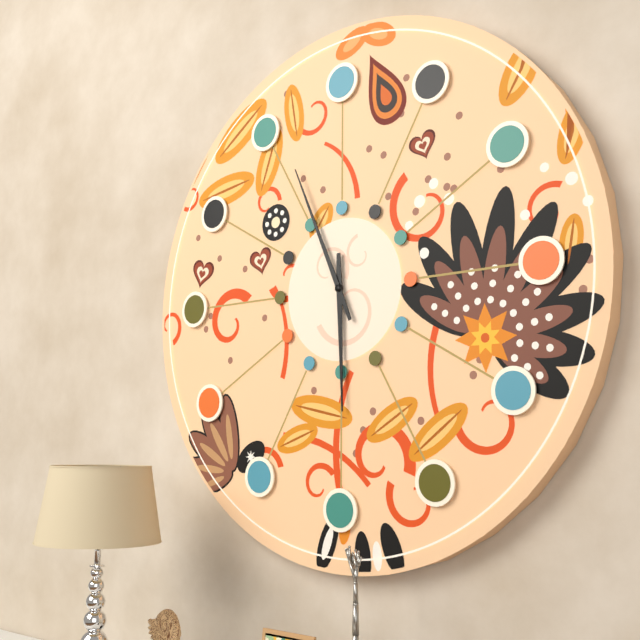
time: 5:56
